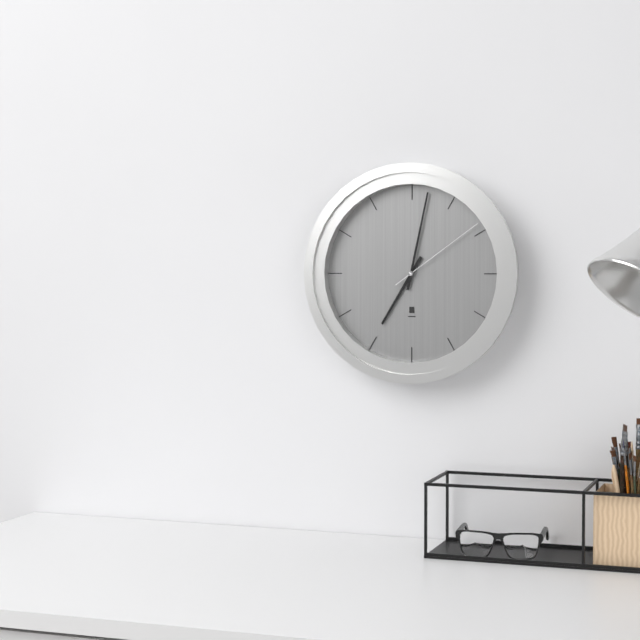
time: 7:02:09
